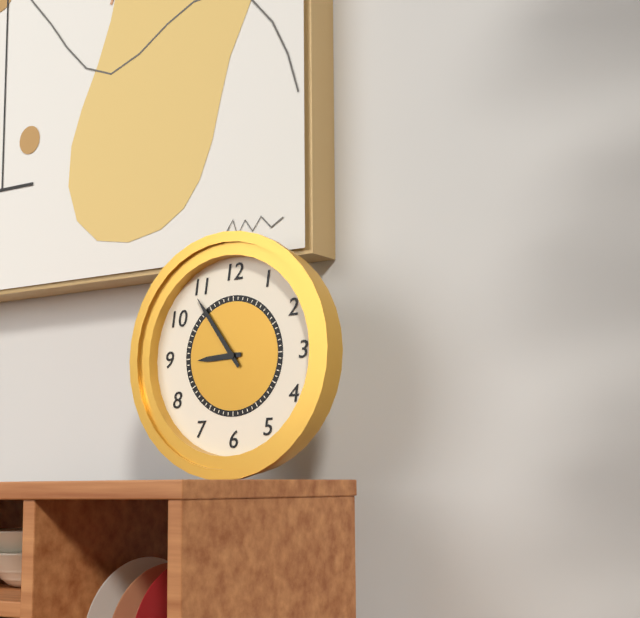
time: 8:54
